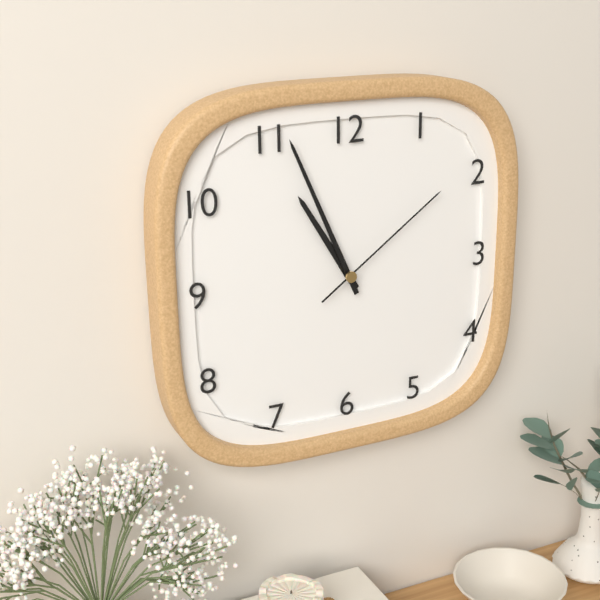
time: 10:56:09
